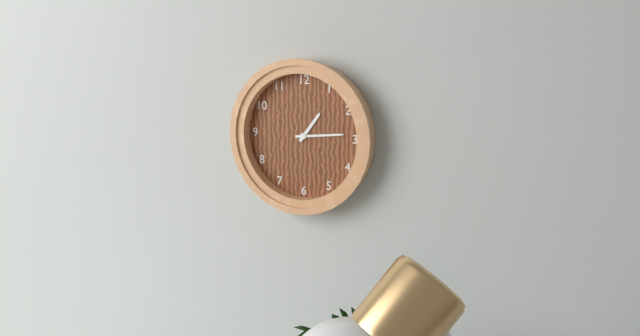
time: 1:14
